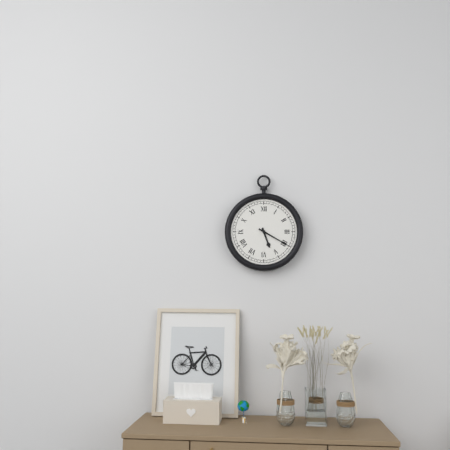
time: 5:20
